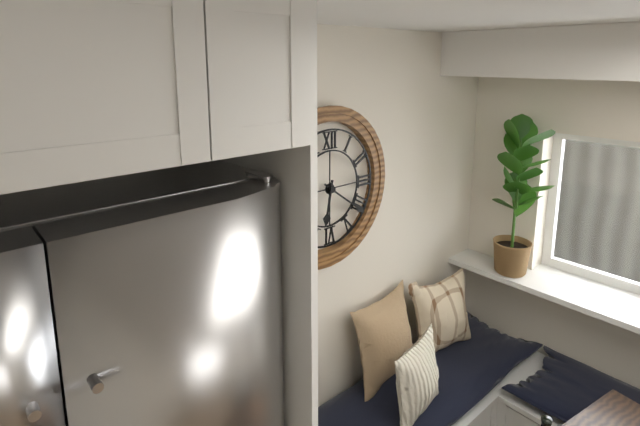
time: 6:21
